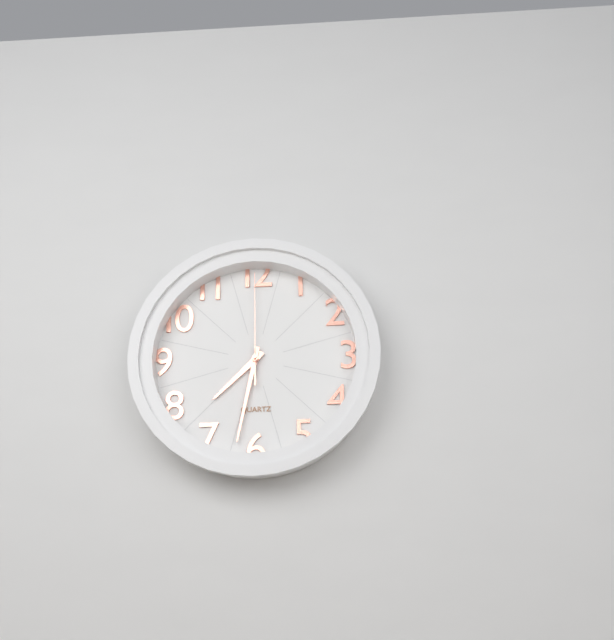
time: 7:32:00
